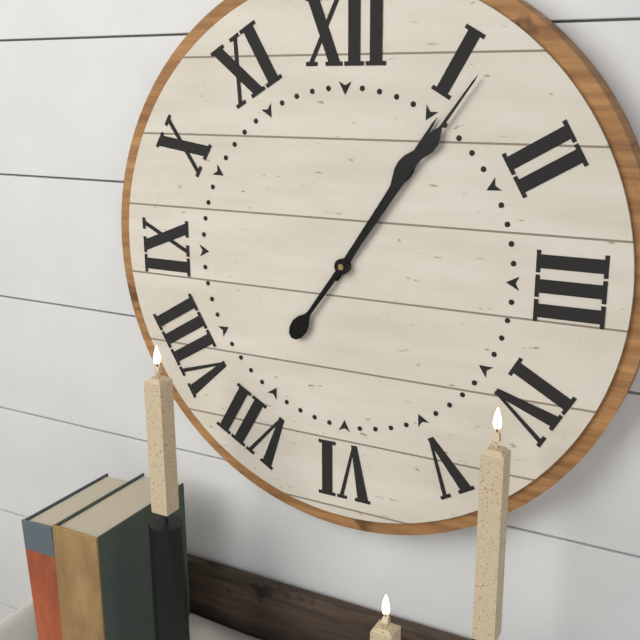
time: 1:06
